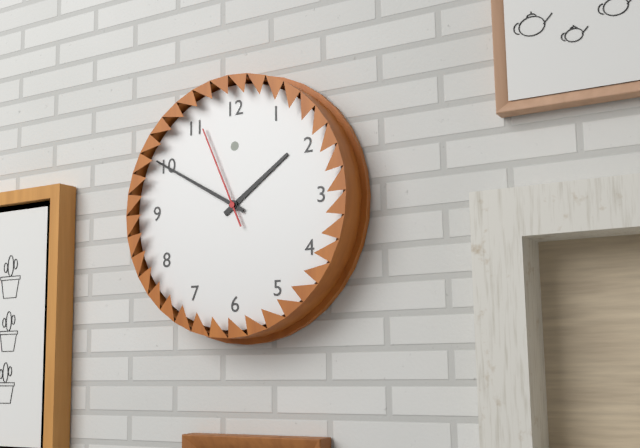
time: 1:50:56
